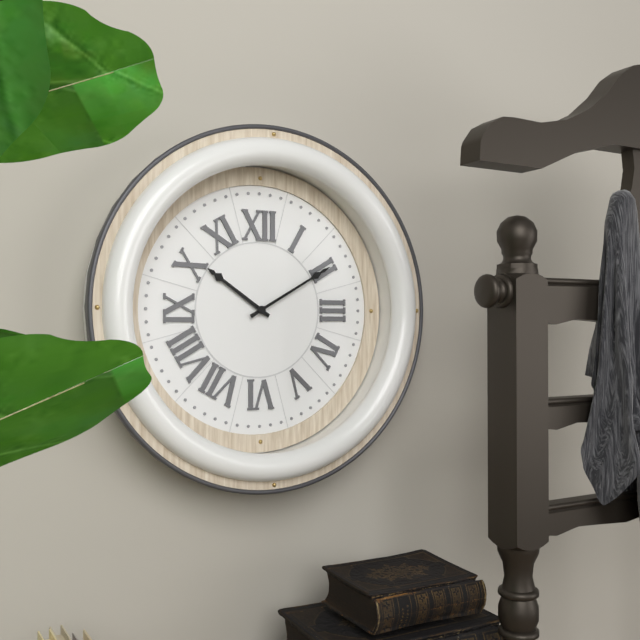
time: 10:10
